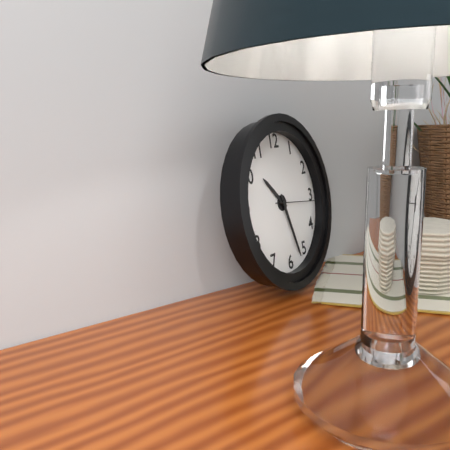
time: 10:27
